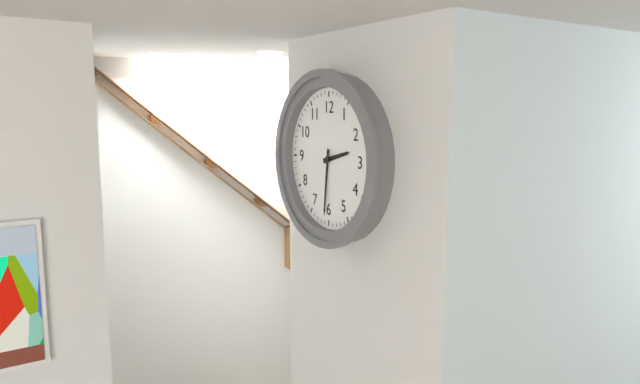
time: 2:31
